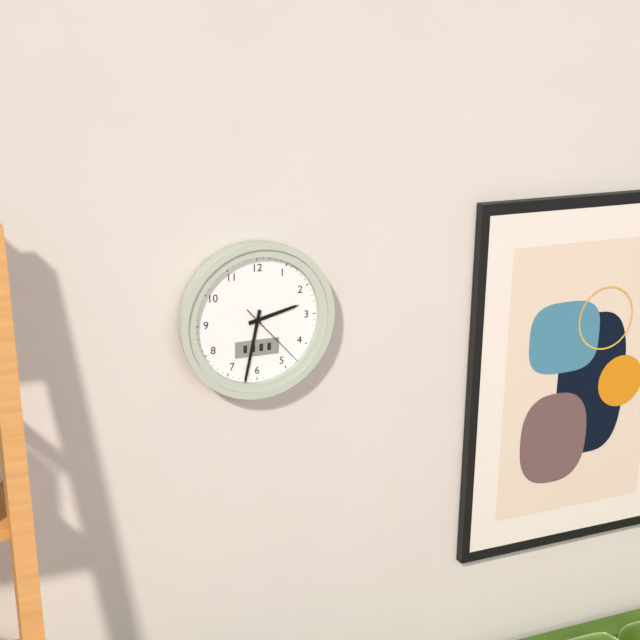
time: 2:32:23
